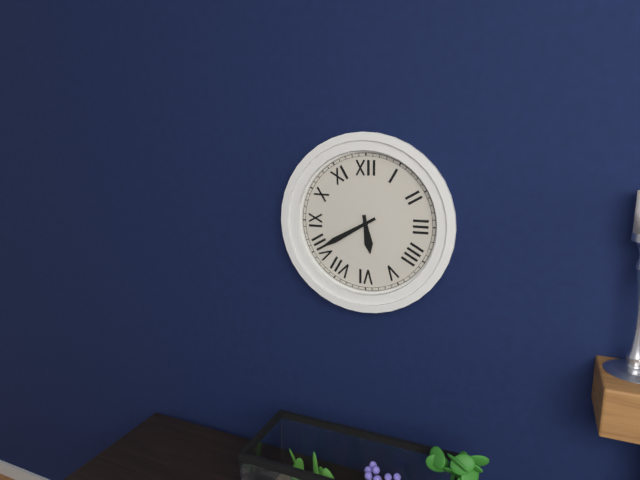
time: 5:40
